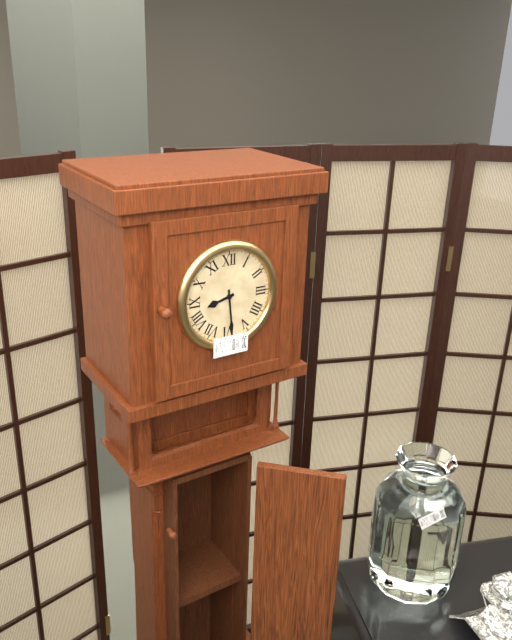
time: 8:29
